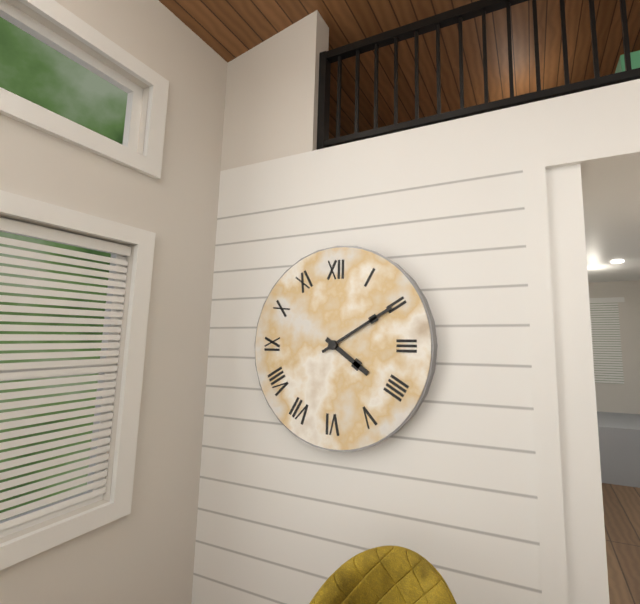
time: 4:10
